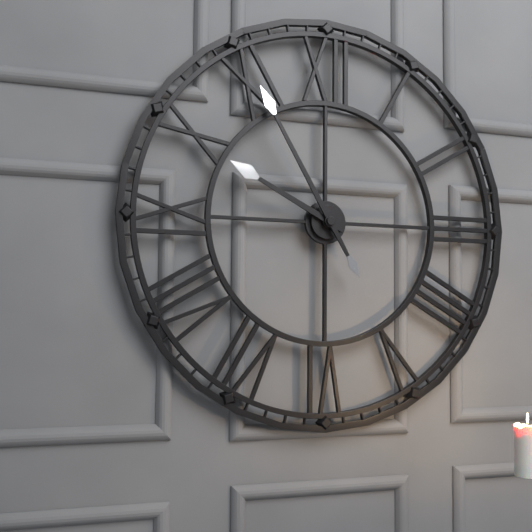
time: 9:55
